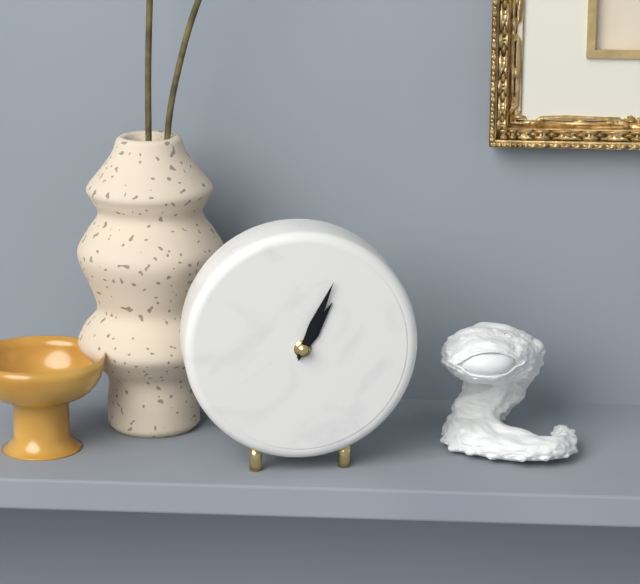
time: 1:04
